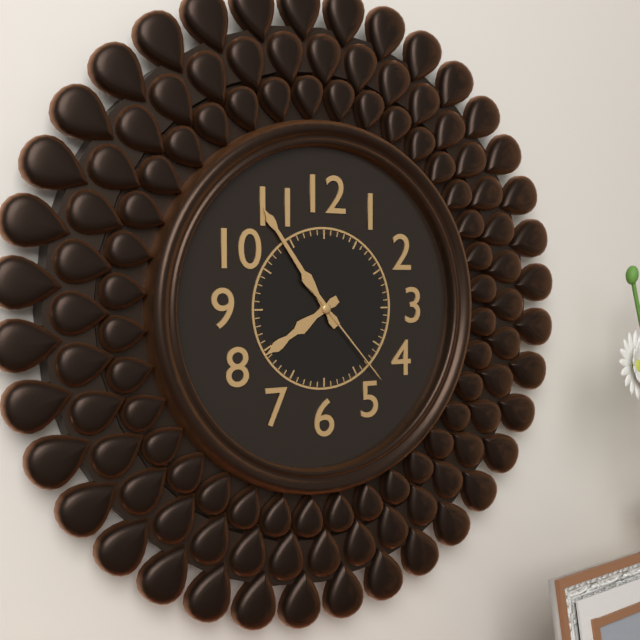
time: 7:54:23
